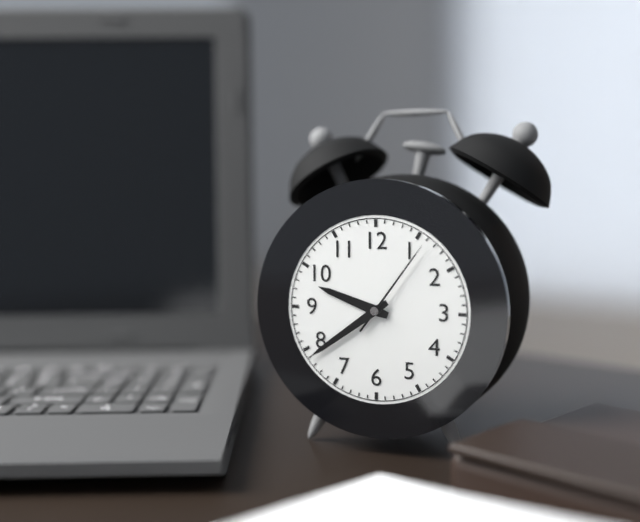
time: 9:39:06
